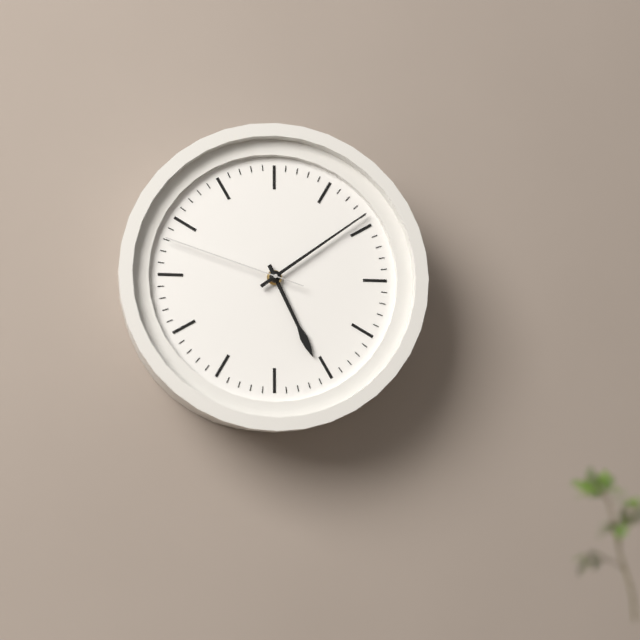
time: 5:09:48
